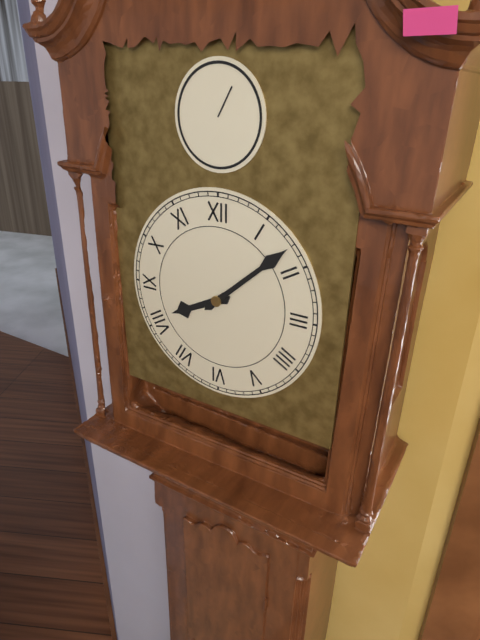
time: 8:08
